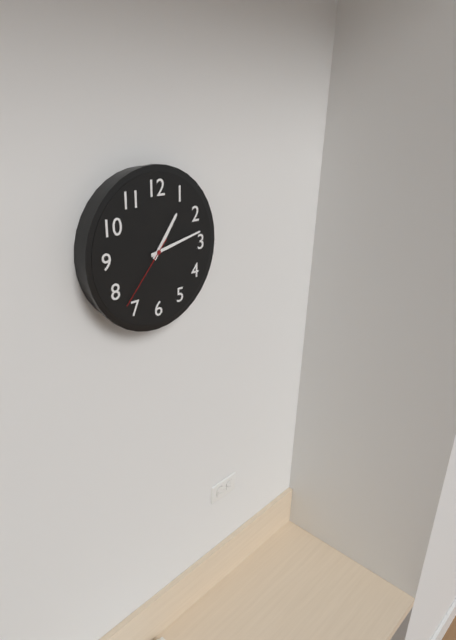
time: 1:13:37
